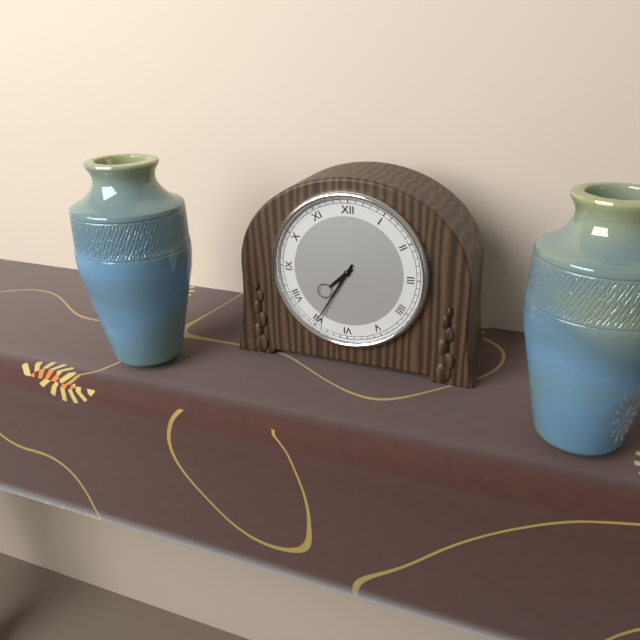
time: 7:35
